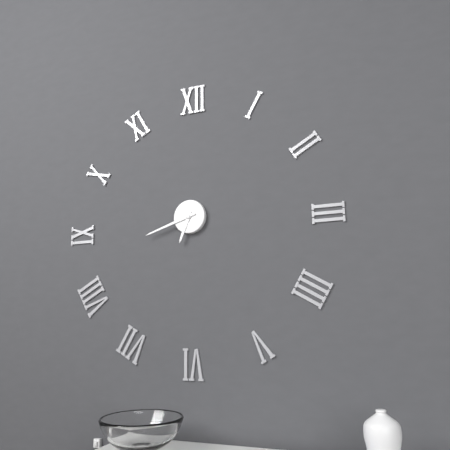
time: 6:42
